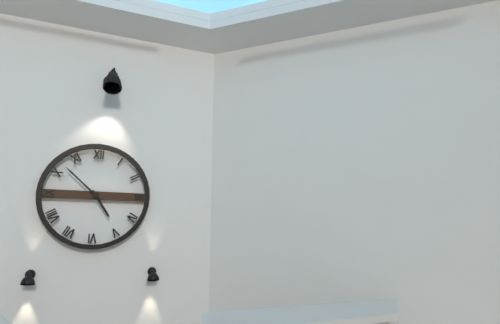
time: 4:52
